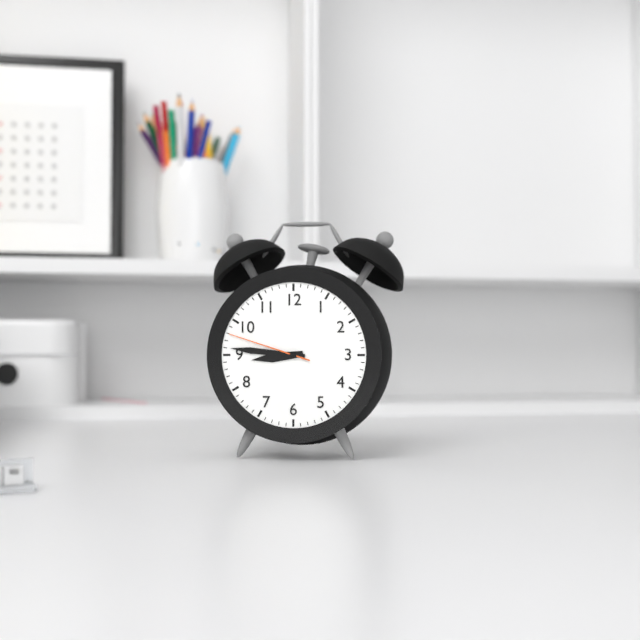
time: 8:46:48
